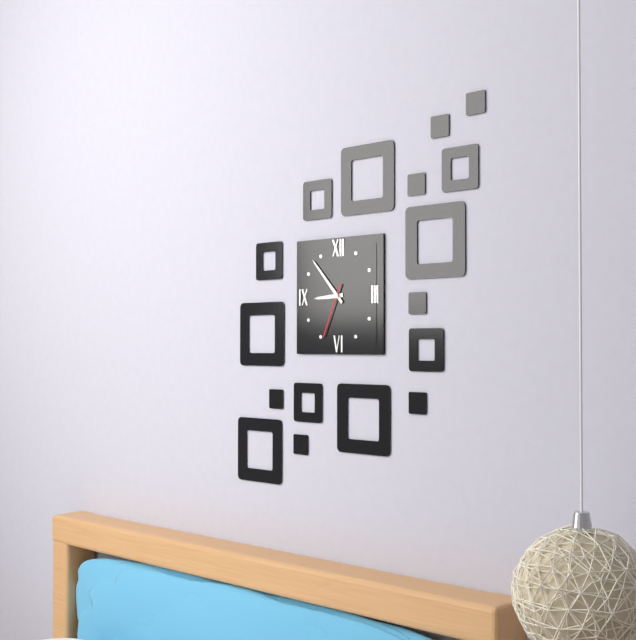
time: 8:53:34
